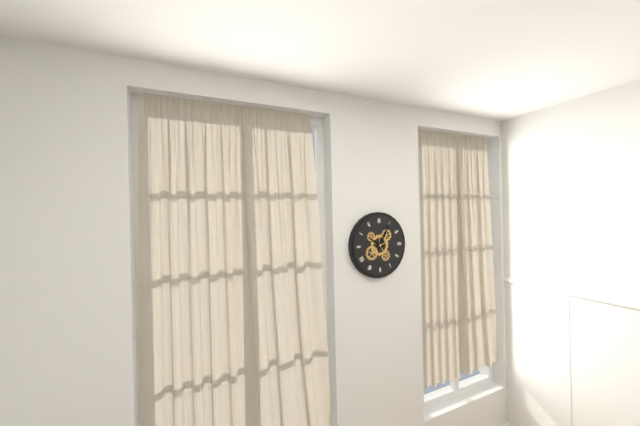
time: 10:05
